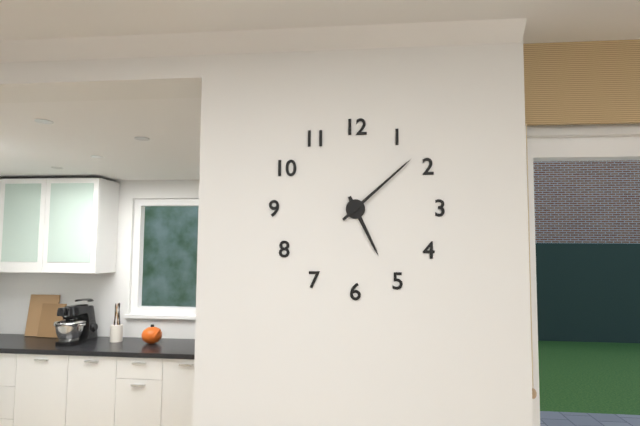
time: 5:08
